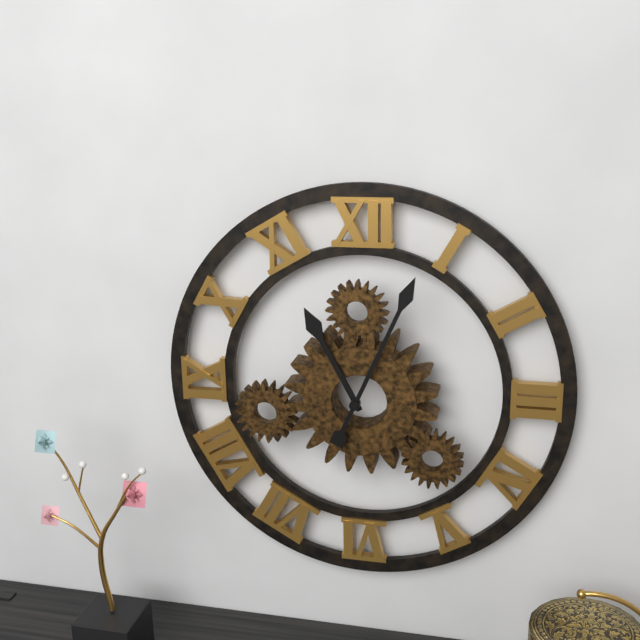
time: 11:04
